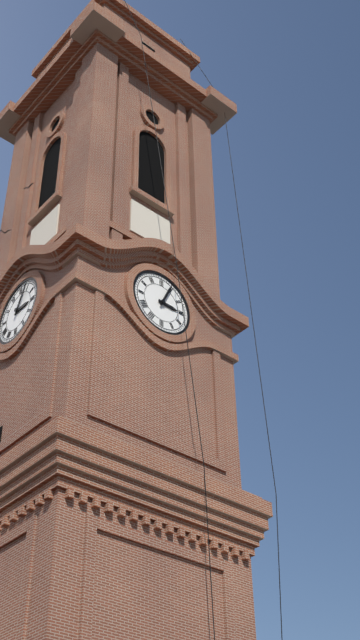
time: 3:04
